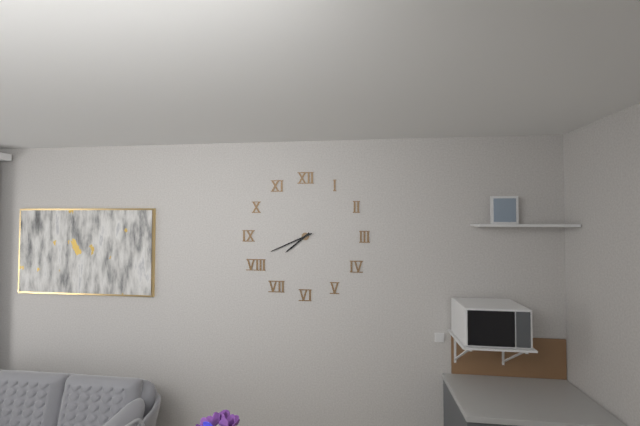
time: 7:41
